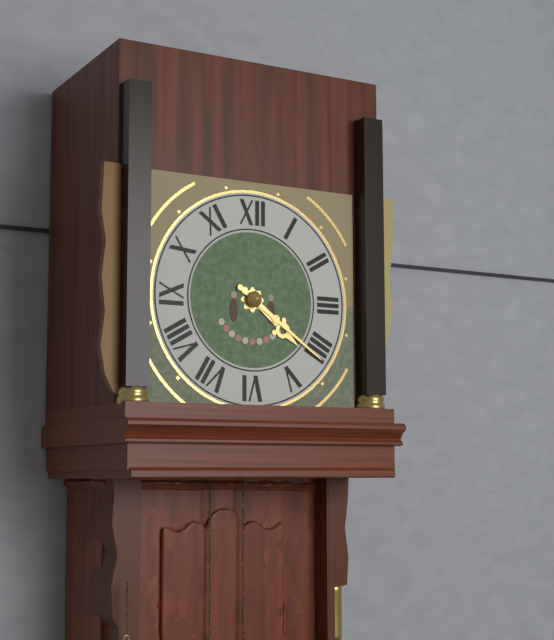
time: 4:21
